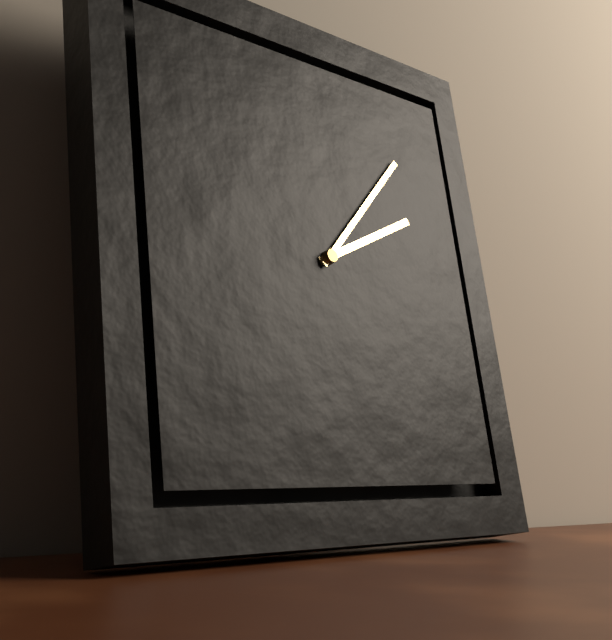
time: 2:07
